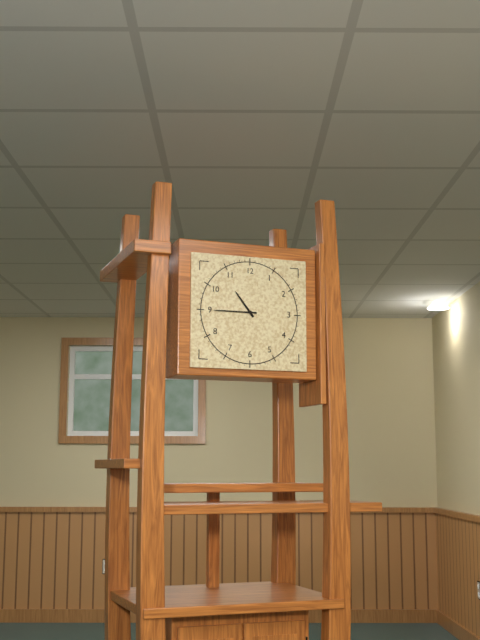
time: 10:45
